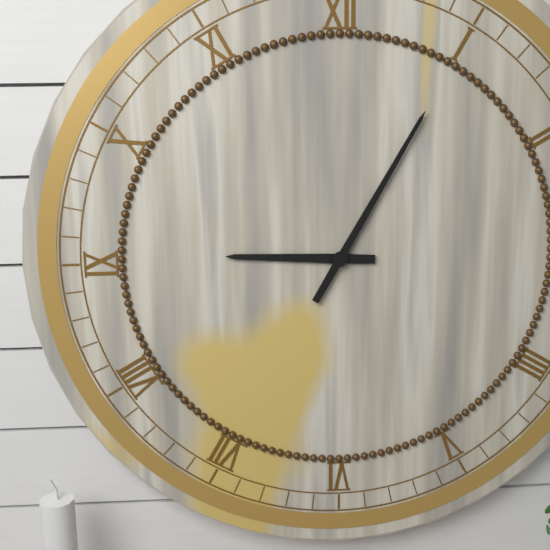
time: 9:05
